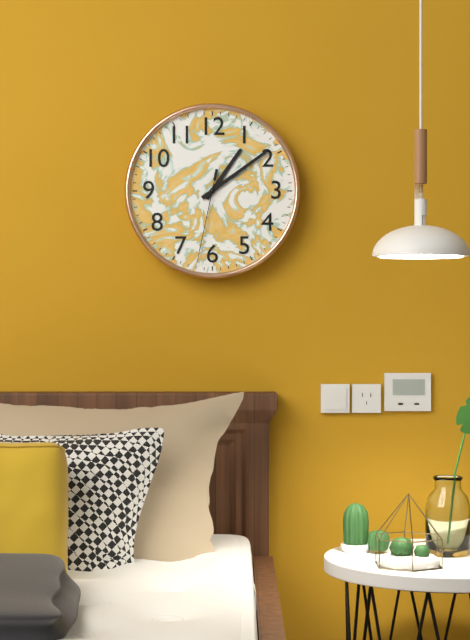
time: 1:09:32
